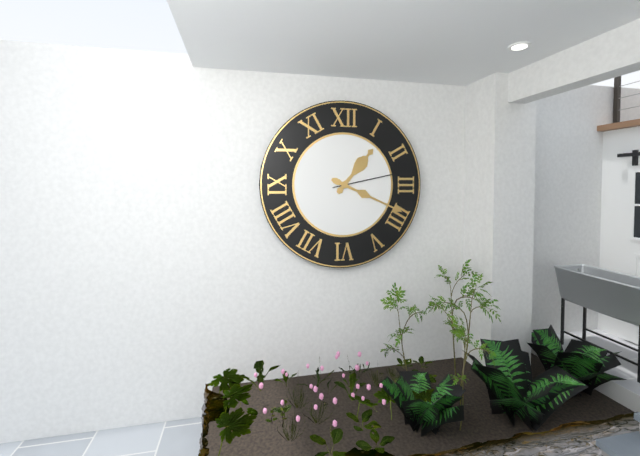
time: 1:19:13
